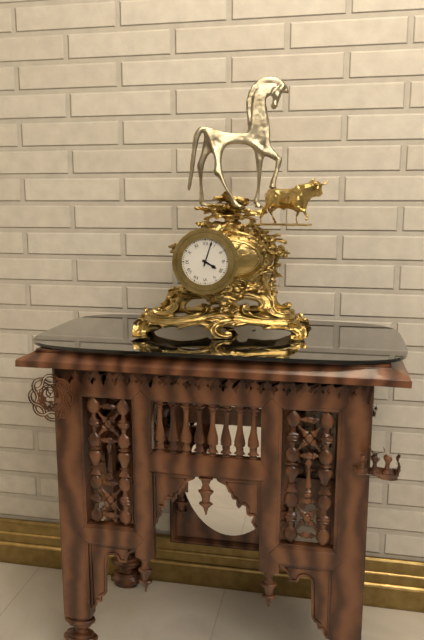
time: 4:03
